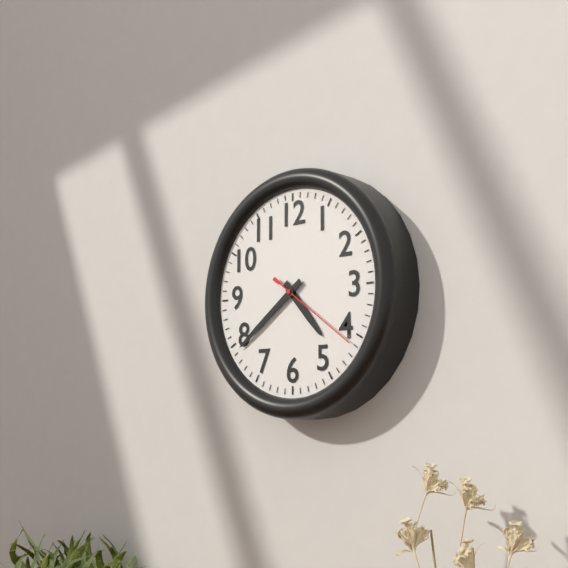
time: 4:39:21
